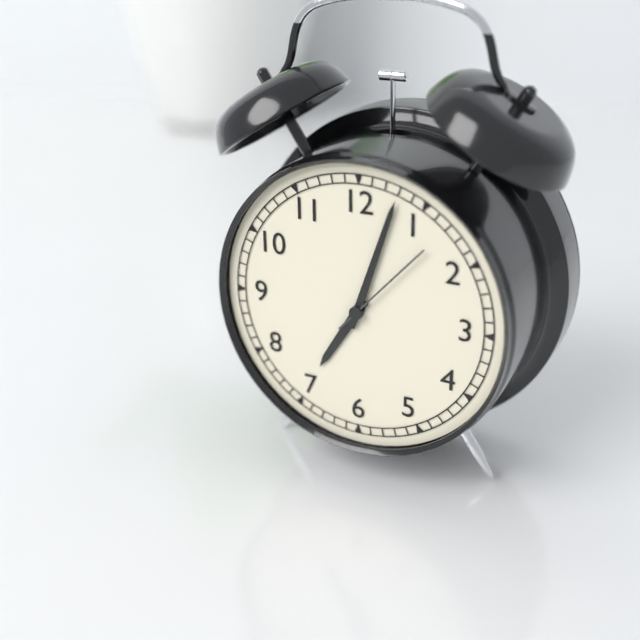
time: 7:03:07
